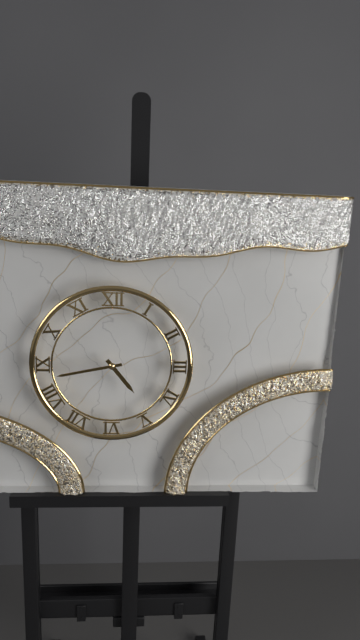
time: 4:43
